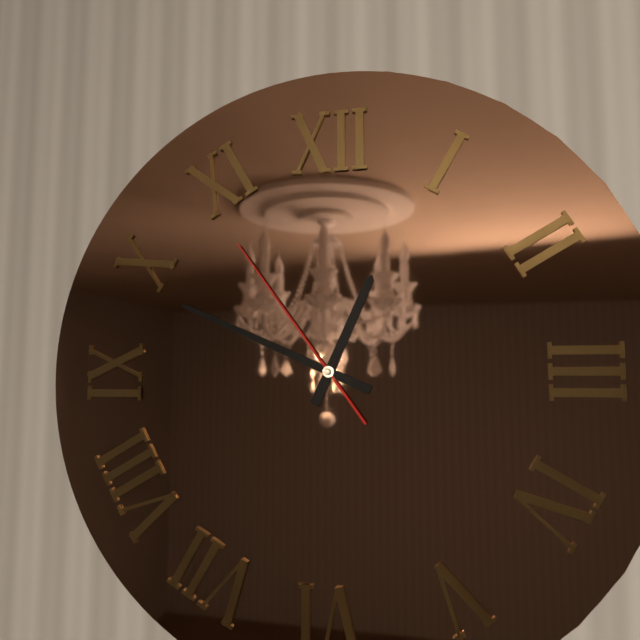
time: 12:49:54
